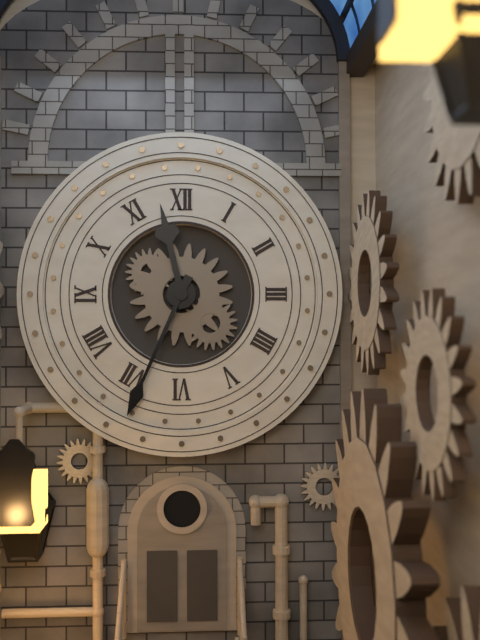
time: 11:34
